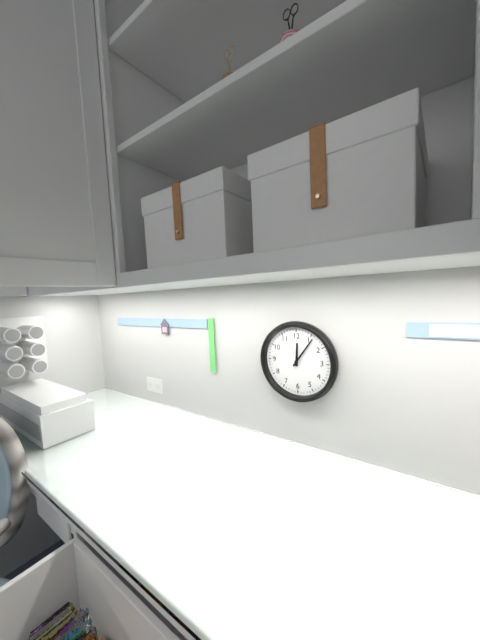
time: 12:06
